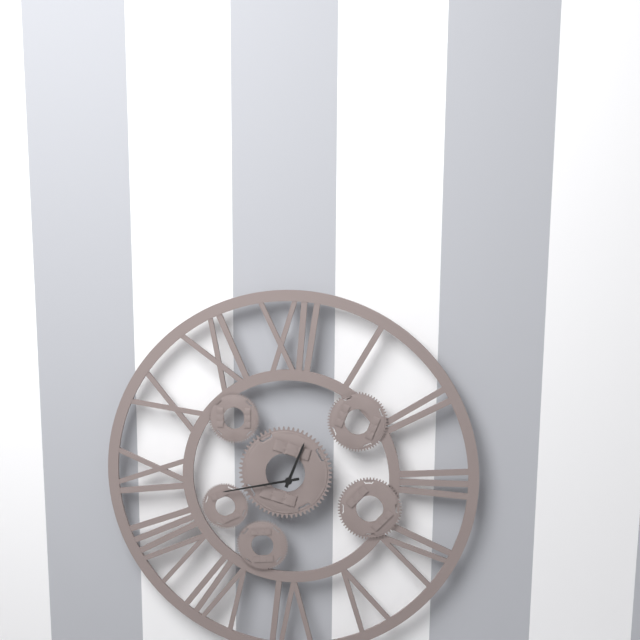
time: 12:43
